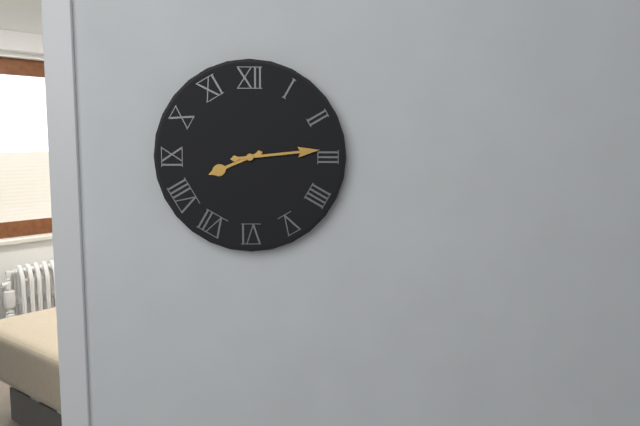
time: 8:14
